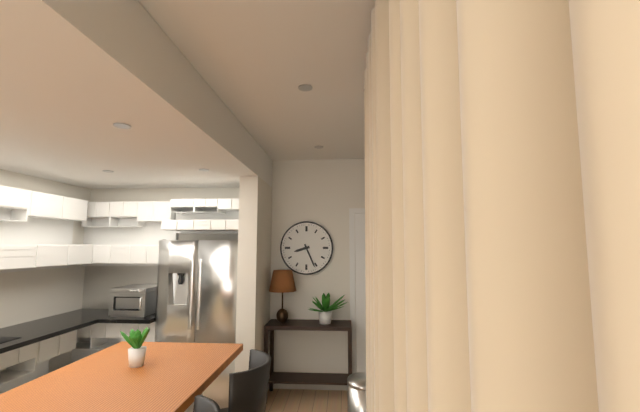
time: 8:26
